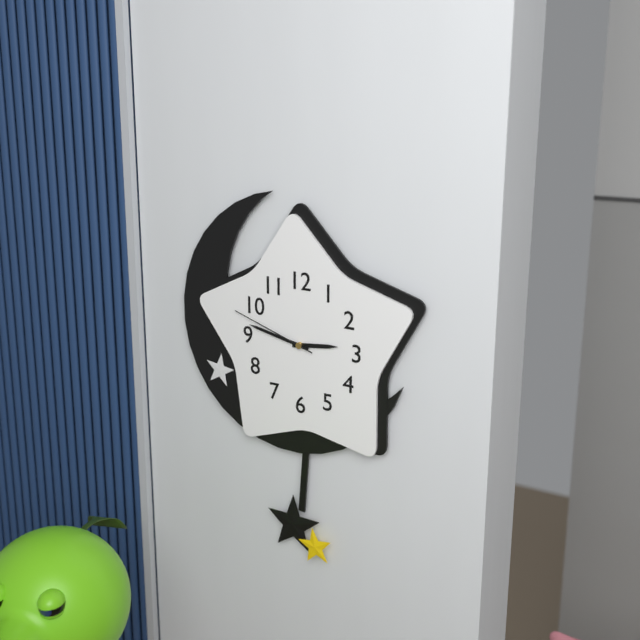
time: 2:47:48
